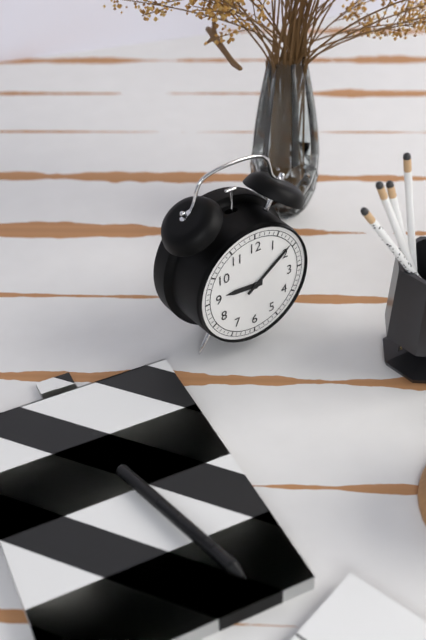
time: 9:09
